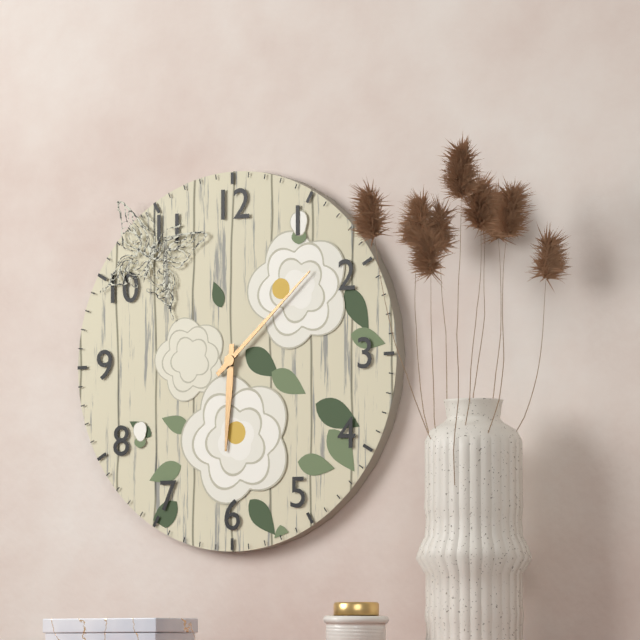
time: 6:08
